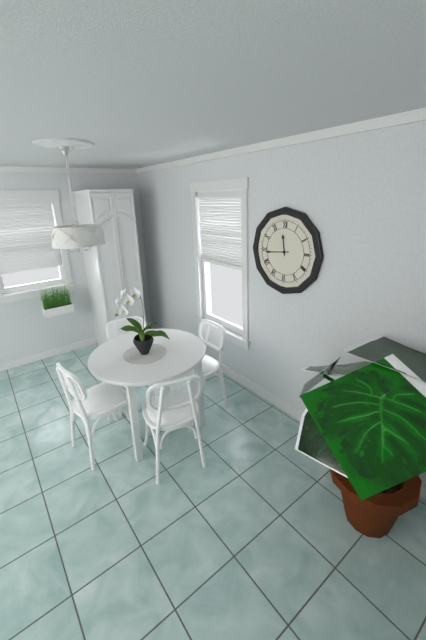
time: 11:44
